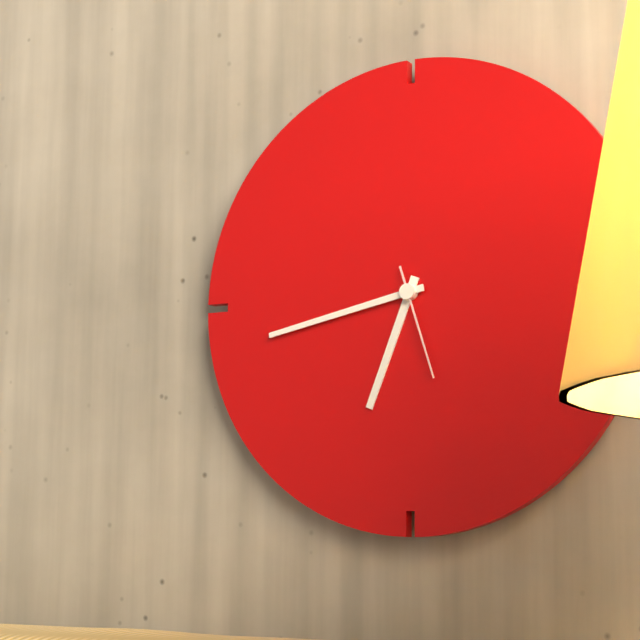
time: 6:43:27
